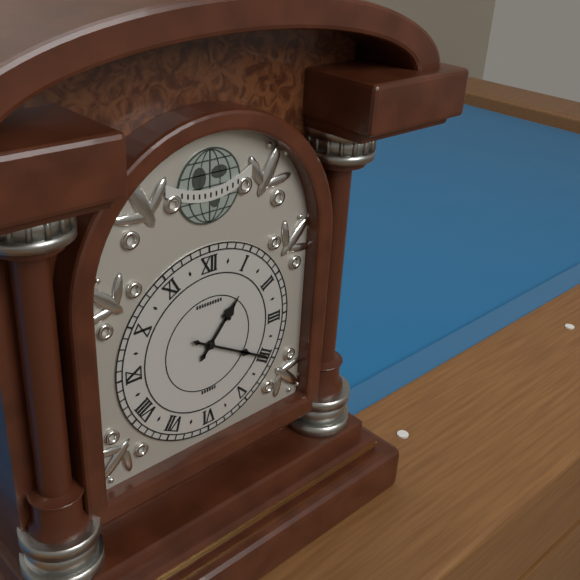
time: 1:20
